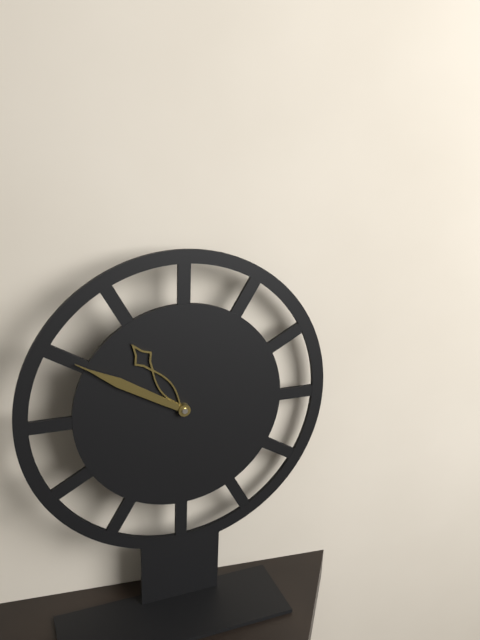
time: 10:50
